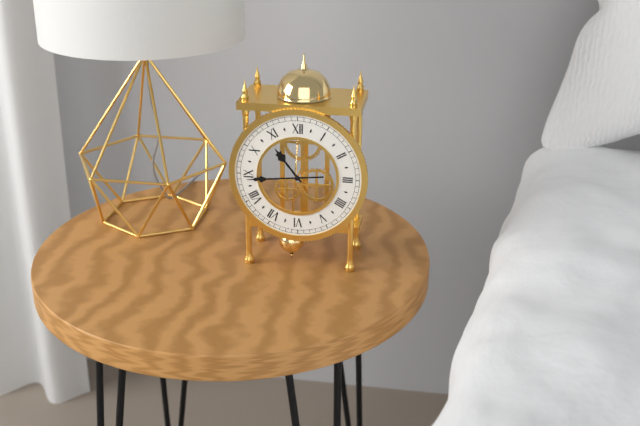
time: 10:44
